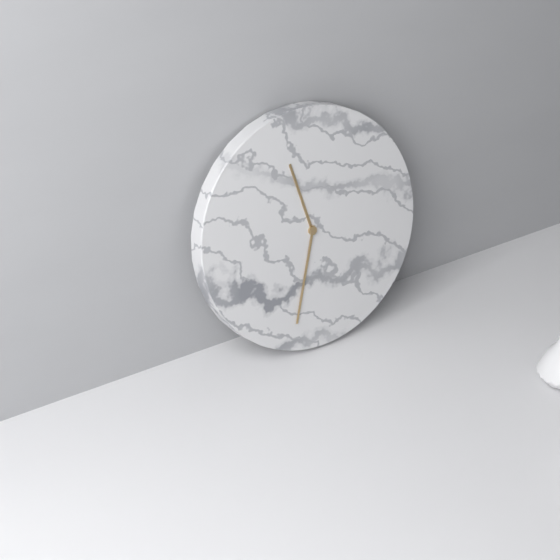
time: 11:33
